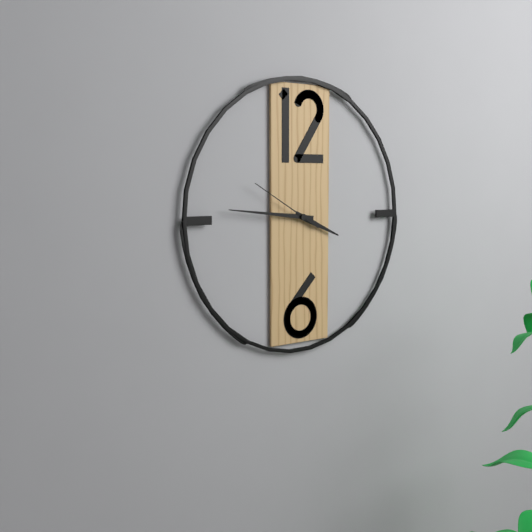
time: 3:46:50
